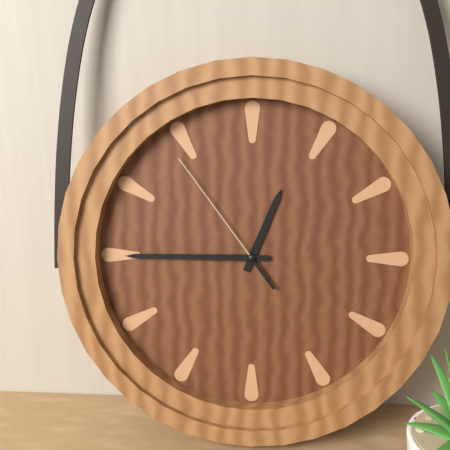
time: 12:45:54
